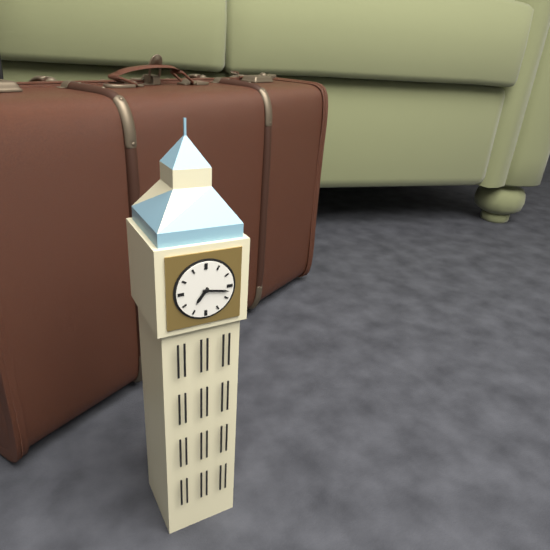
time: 7:17
